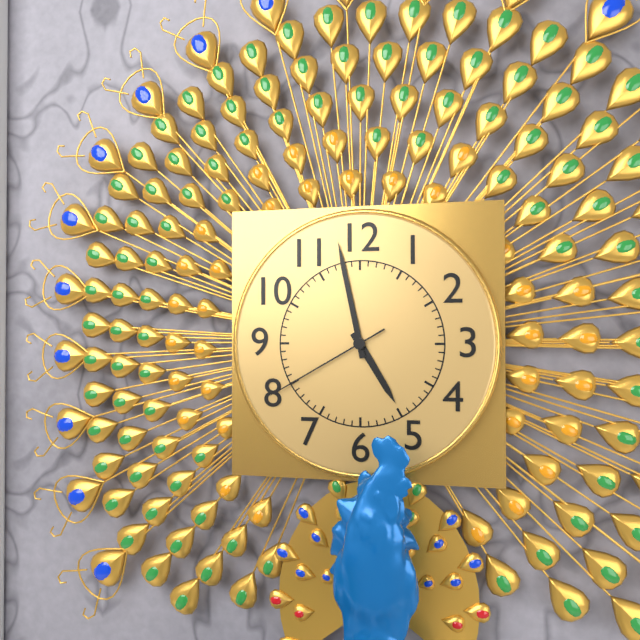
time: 4:58:40
